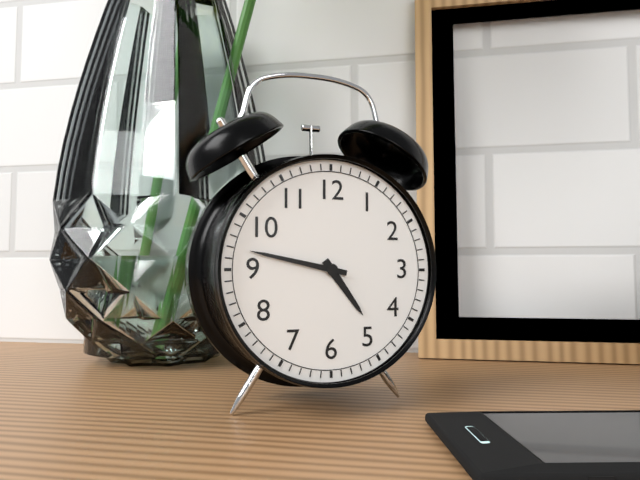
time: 4:47
